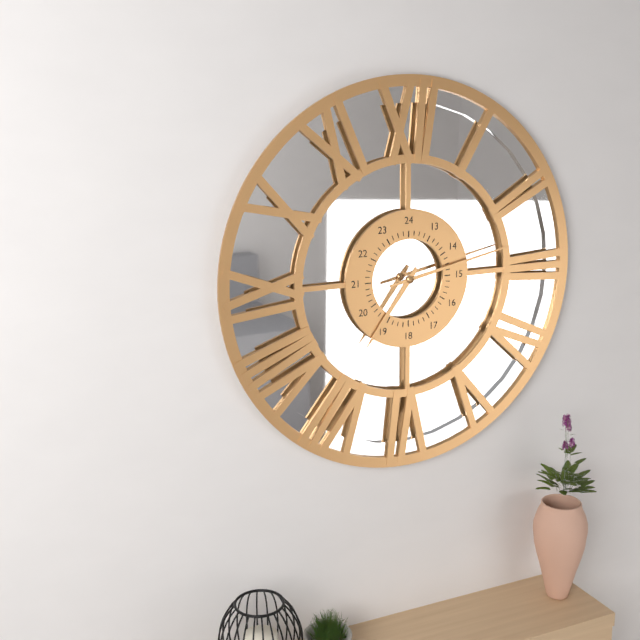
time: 7:13
